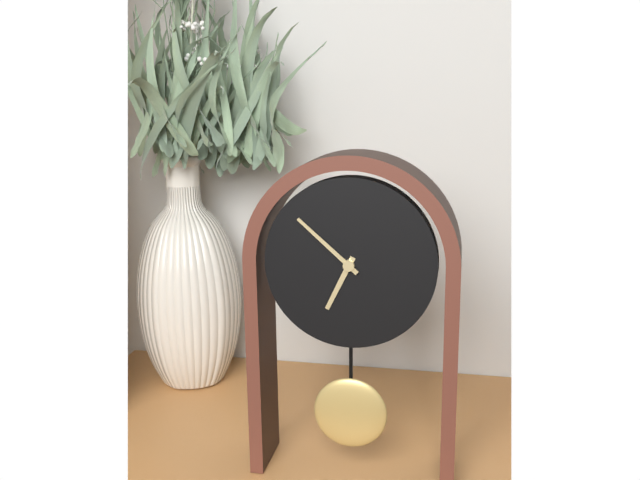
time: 6:52
